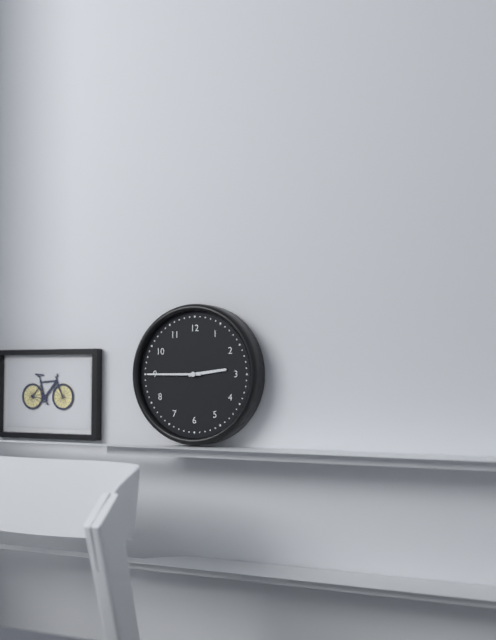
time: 2:45
